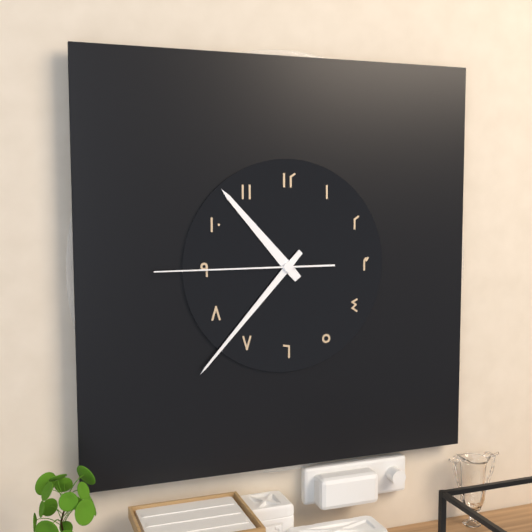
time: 10:37:45
